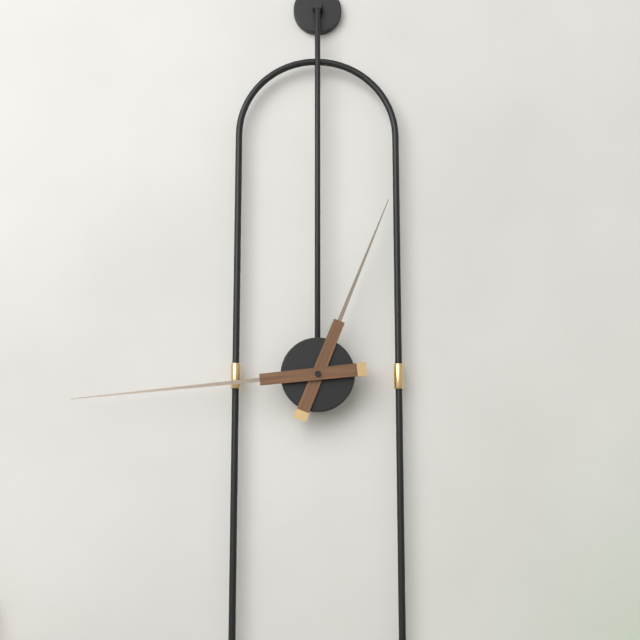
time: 12:44
